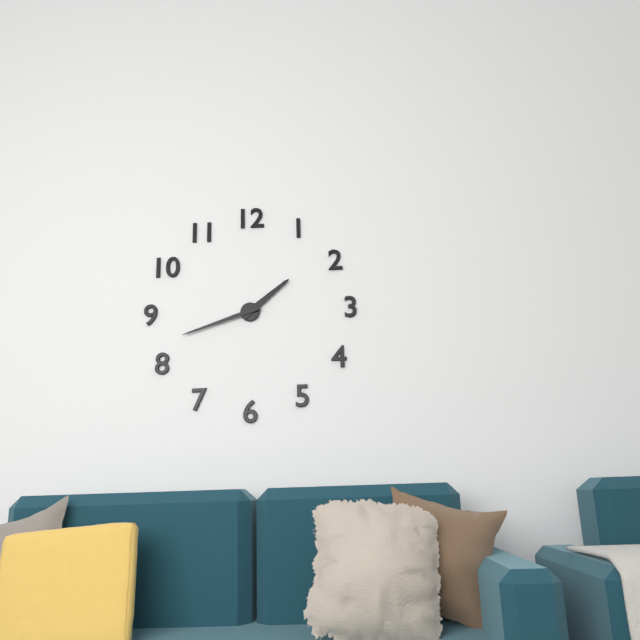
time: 1:42
